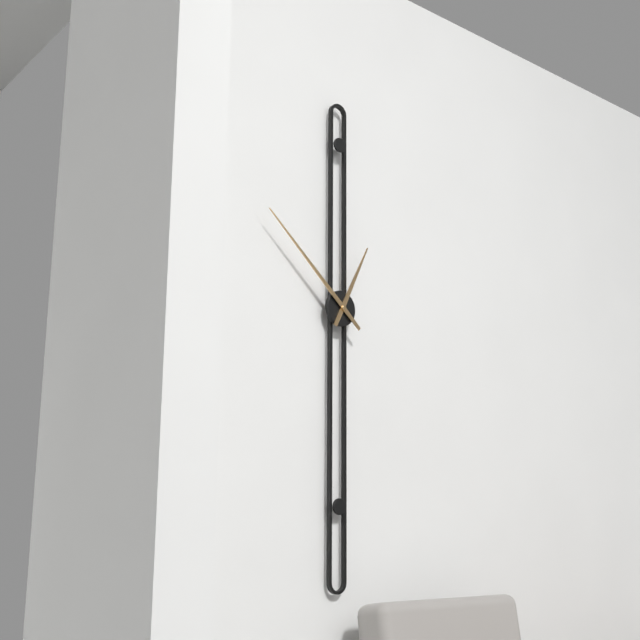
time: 12:52
